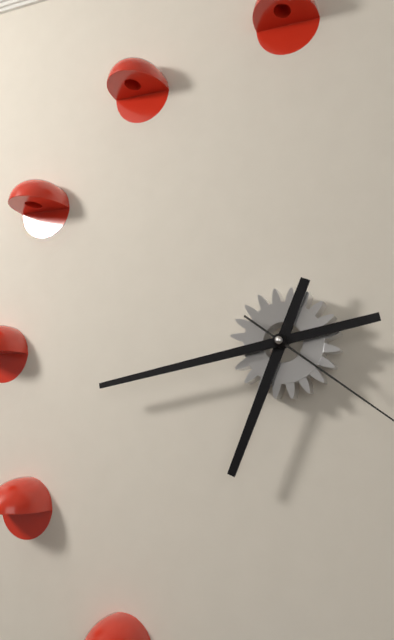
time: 6:43
